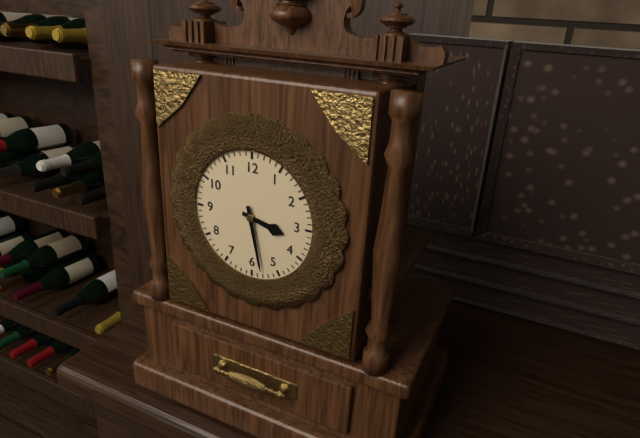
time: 3:28
